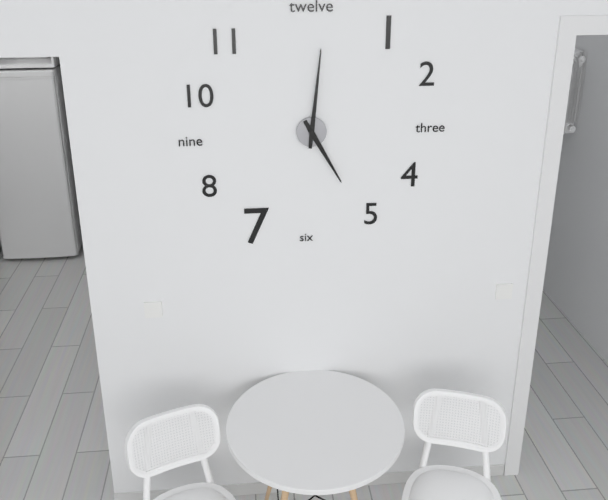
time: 5:01
